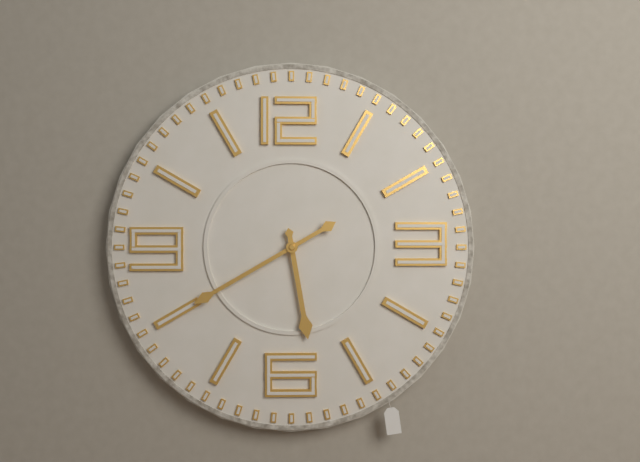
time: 5:40
